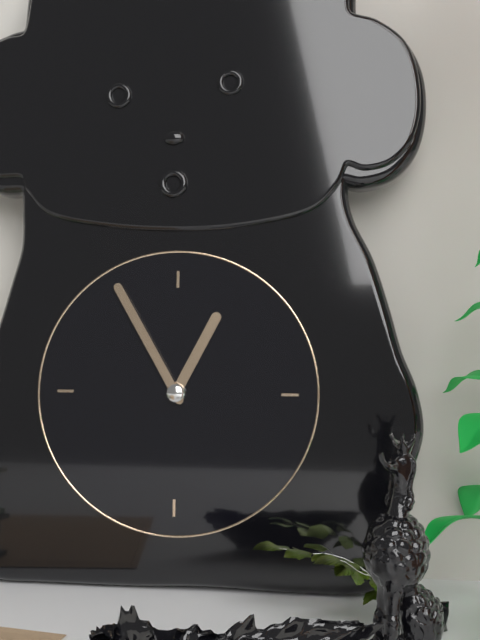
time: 12:55
